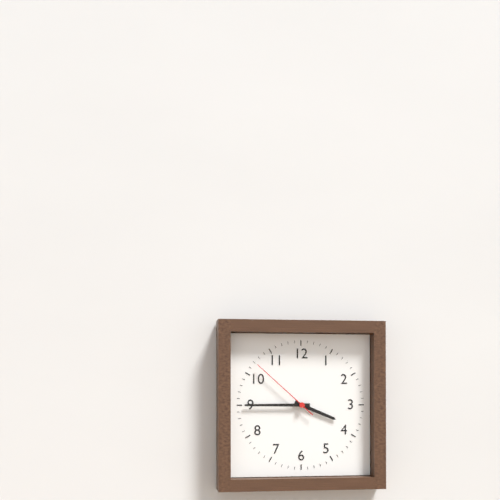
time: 3:45:52
